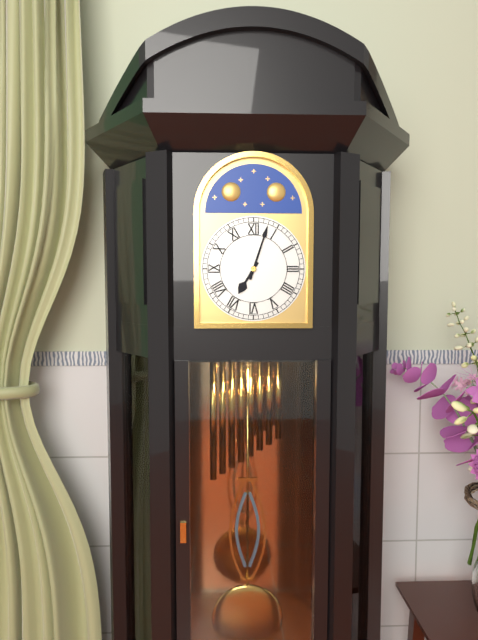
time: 7:03
